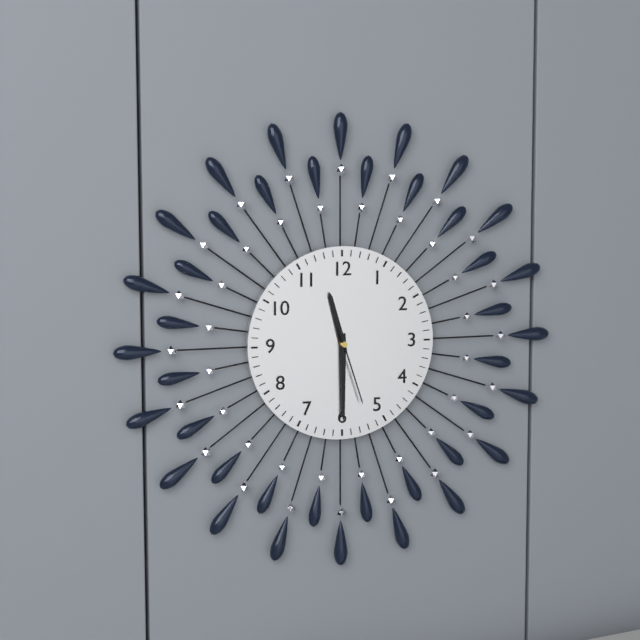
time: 11:30:27
